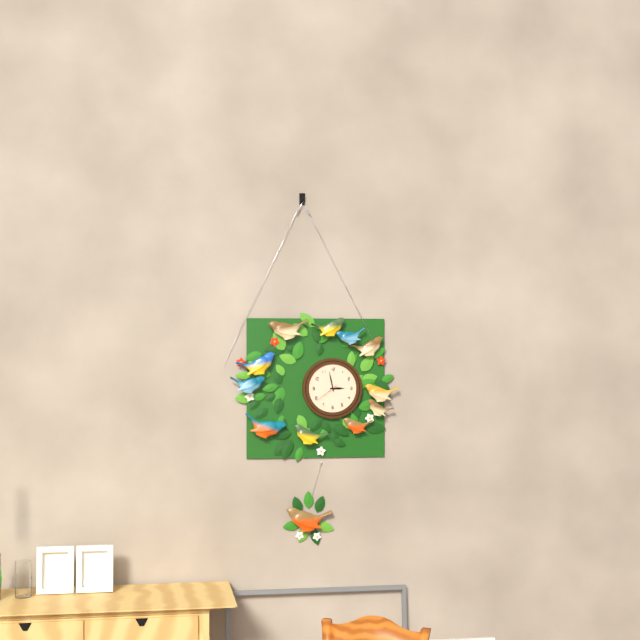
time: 2:58
